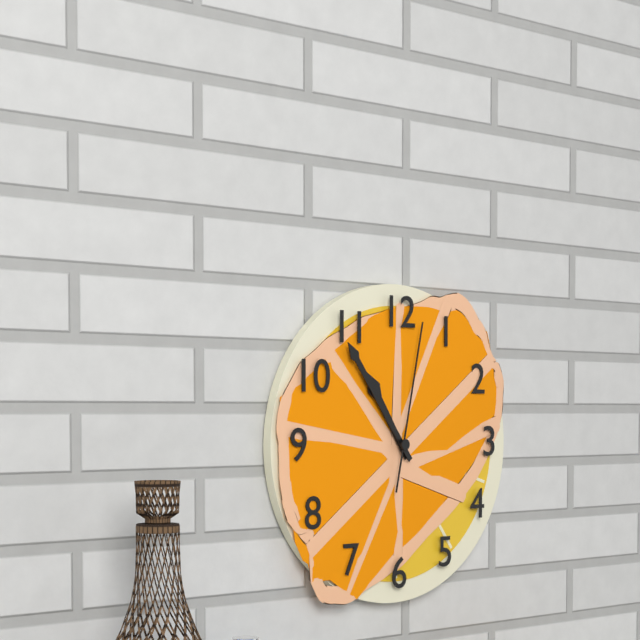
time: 10:54:02
